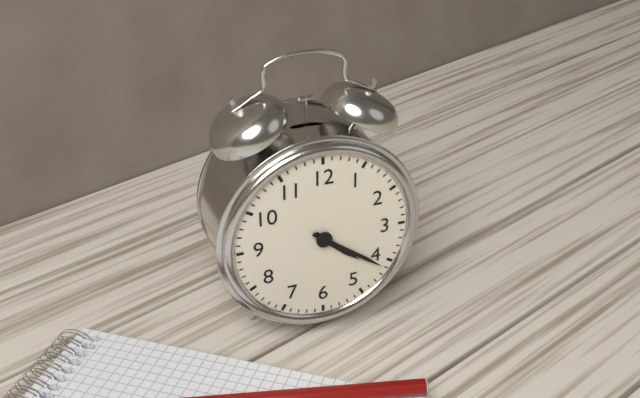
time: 4:21
